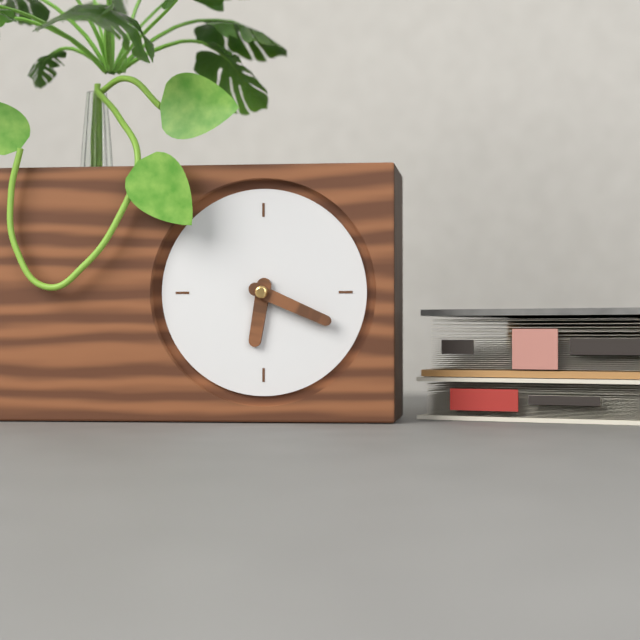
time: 6:19
